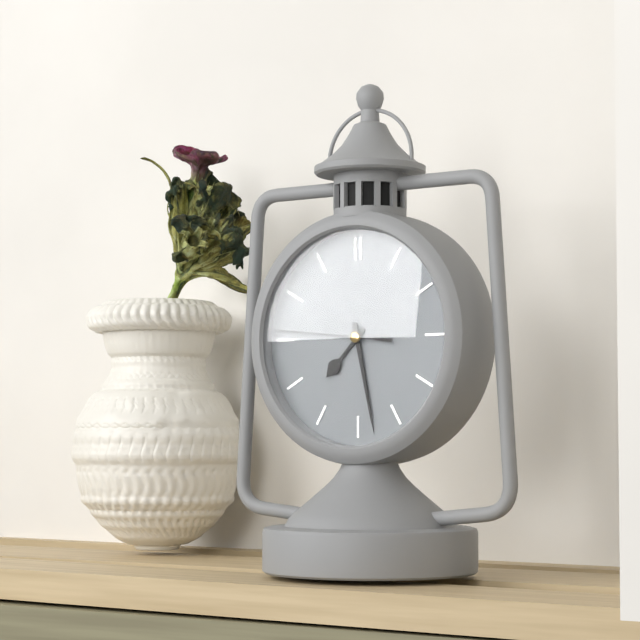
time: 7:28:46
